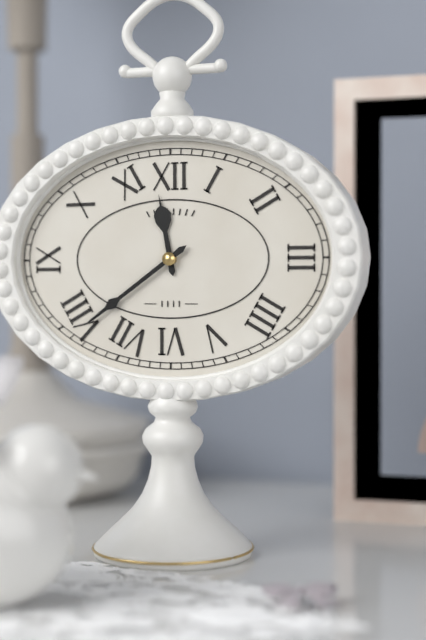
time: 11:39
